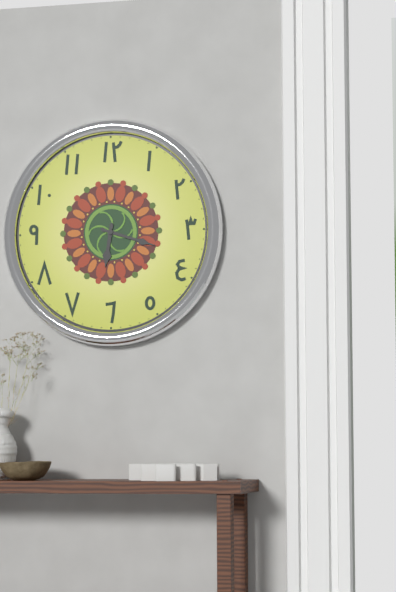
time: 6:18
